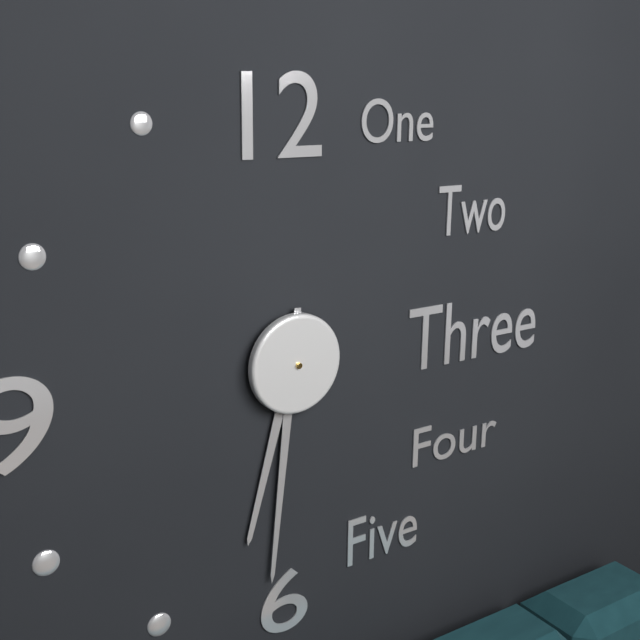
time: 6:31
